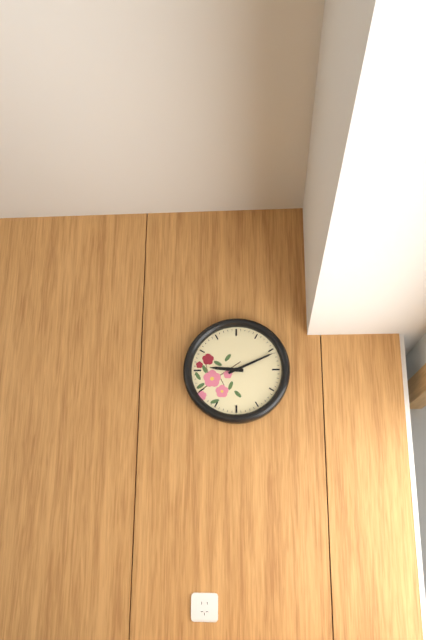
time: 9:11
